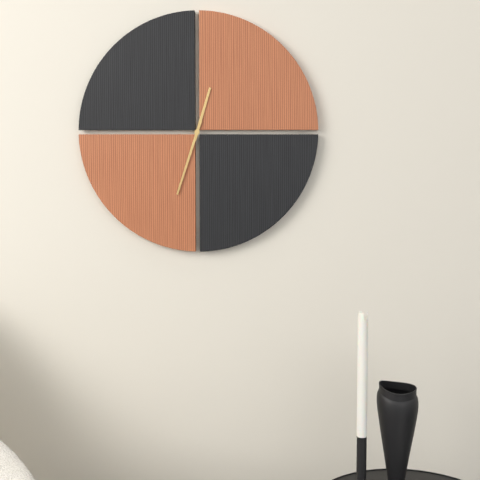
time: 12:33
